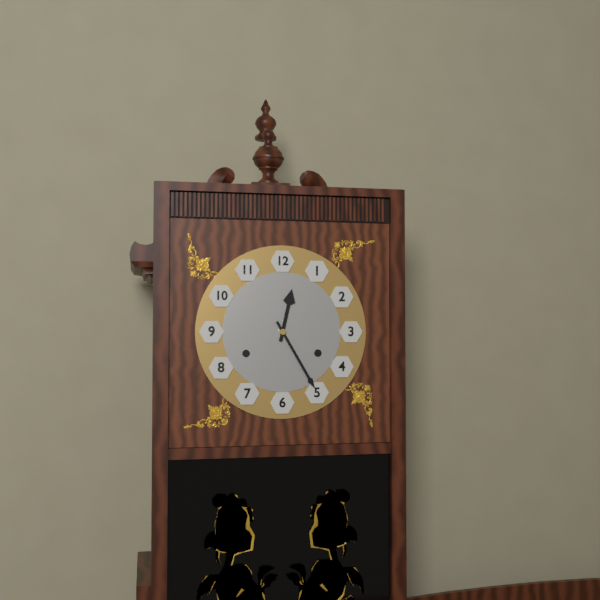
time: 12:25
